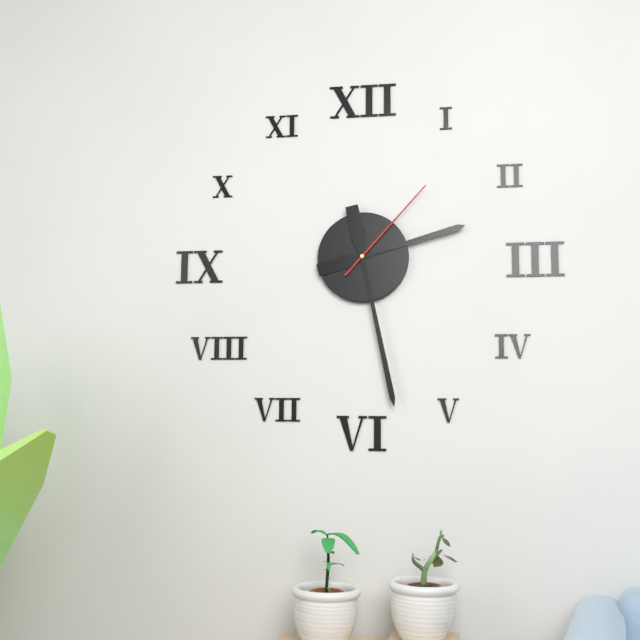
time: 2:28:07
